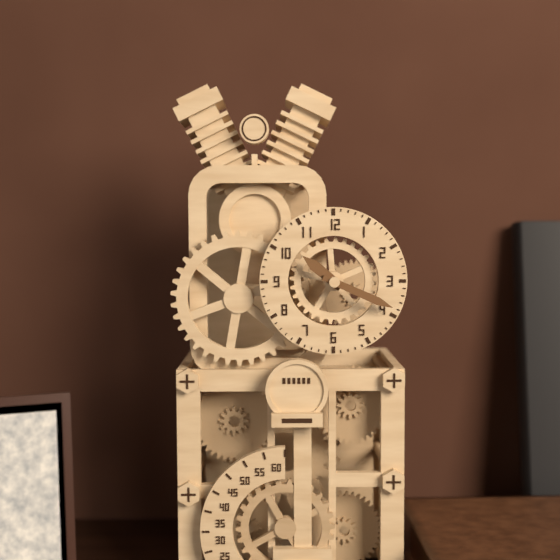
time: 10:19
